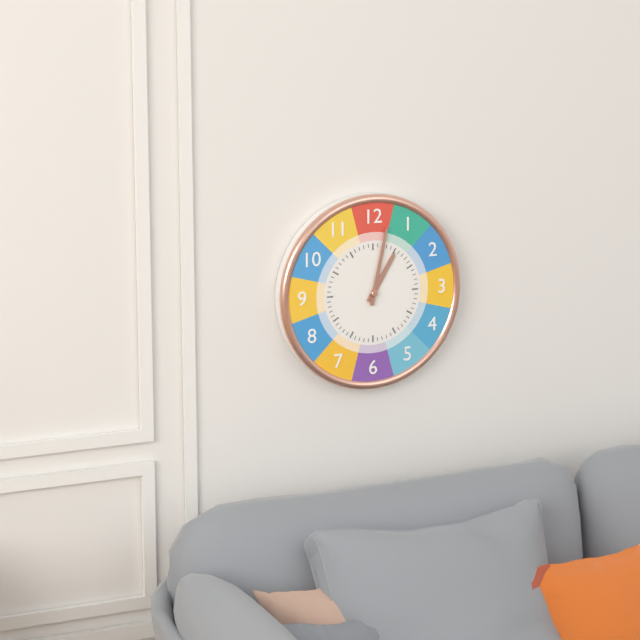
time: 1:02
